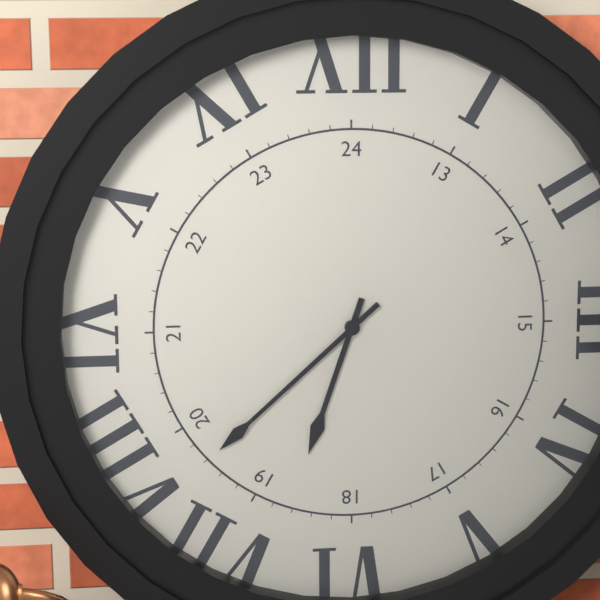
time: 6:38
